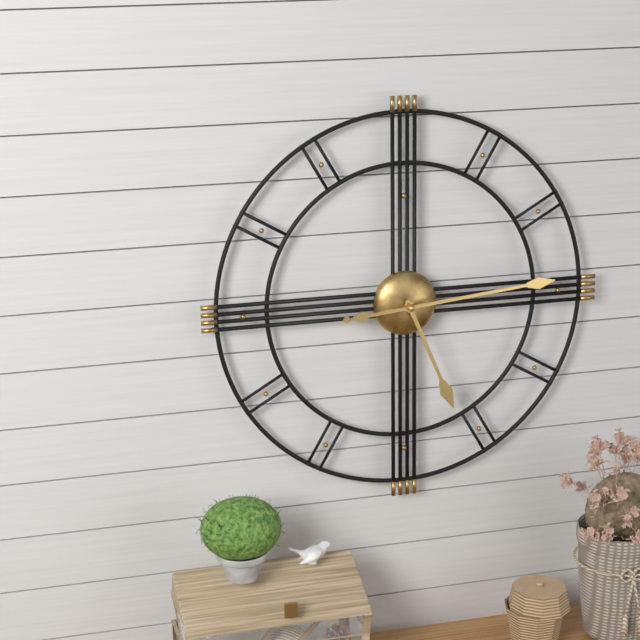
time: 5:14
